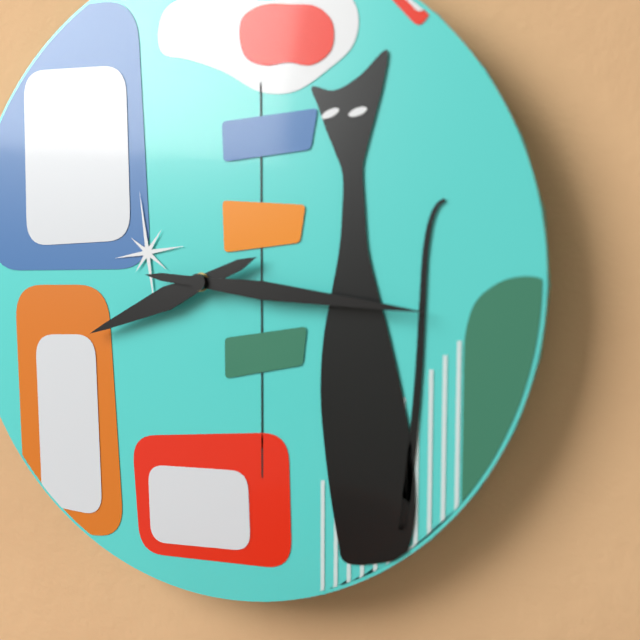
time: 8:16
